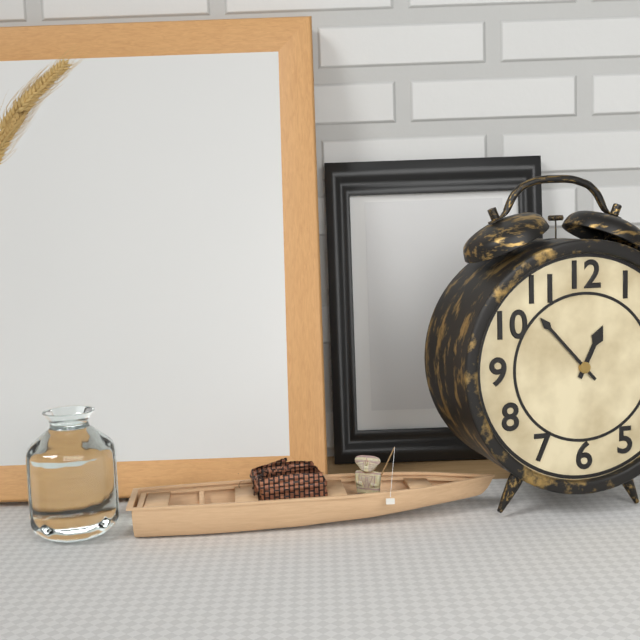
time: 12:53
